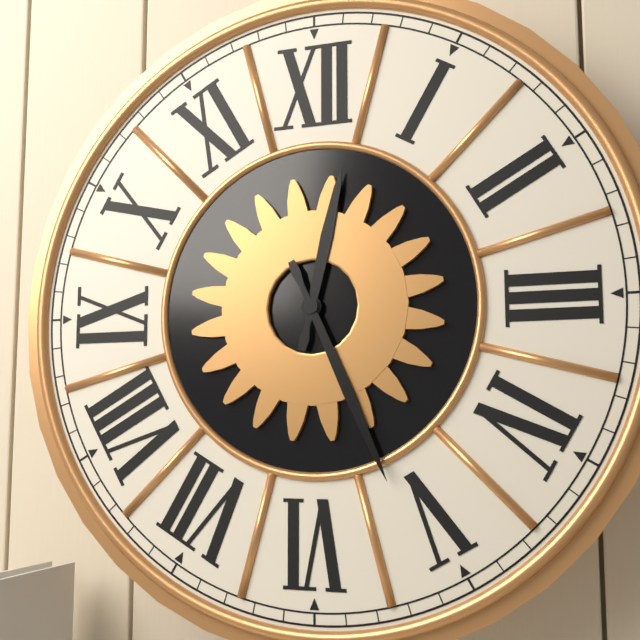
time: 12:26
